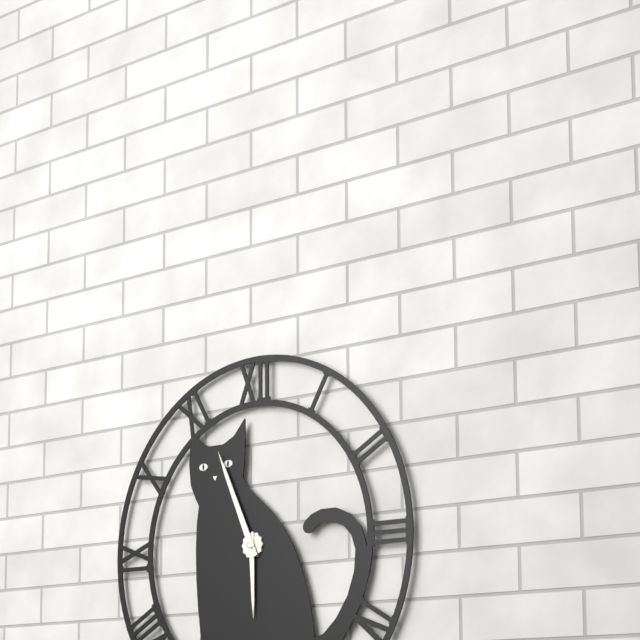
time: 5:56
